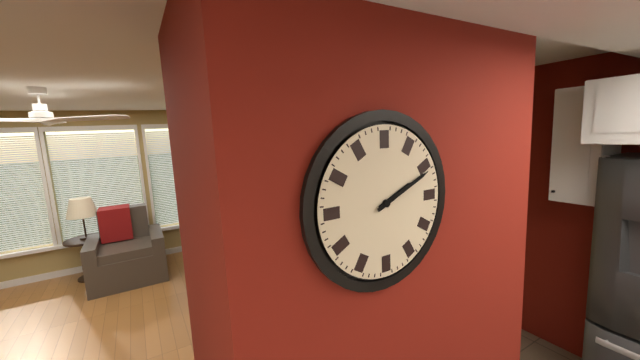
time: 2:11
